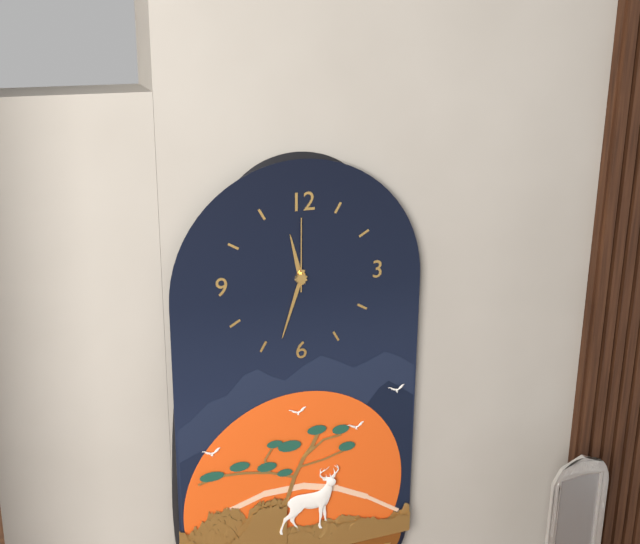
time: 11:33:00
